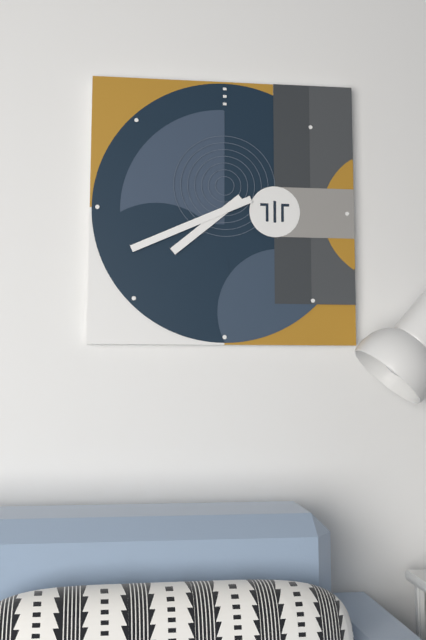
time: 7:41
